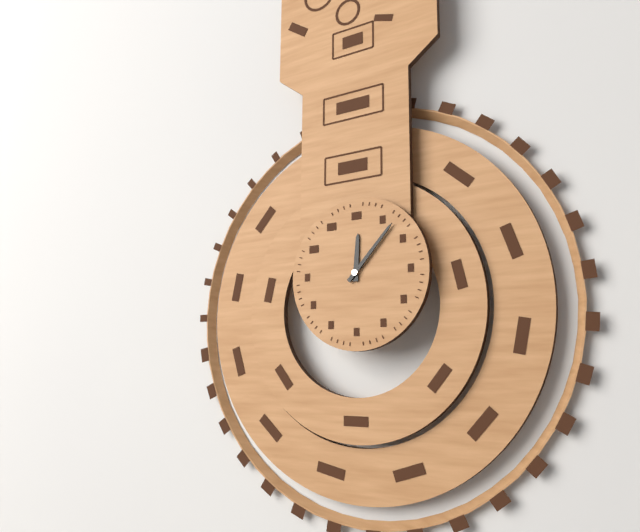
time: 12:07
